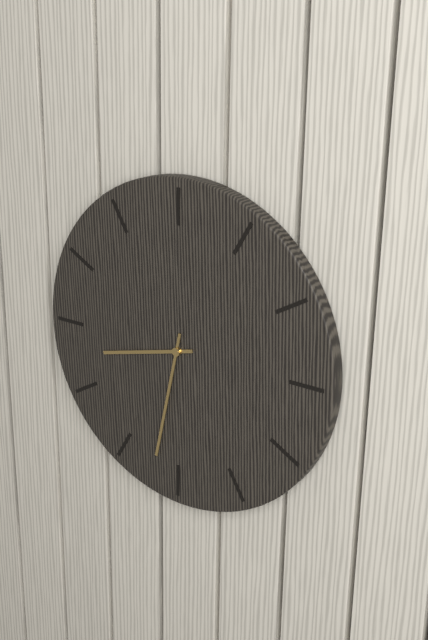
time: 8:32
